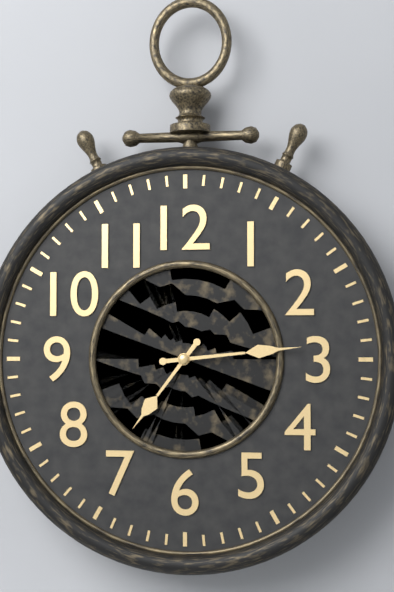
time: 7:14
